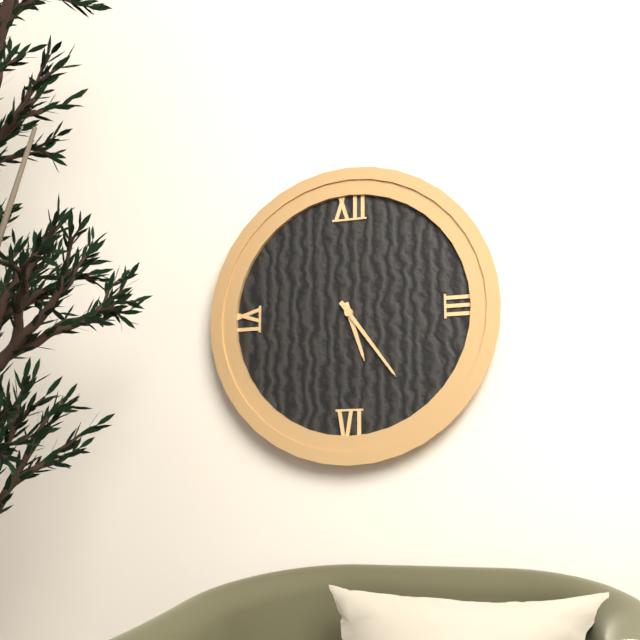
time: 5:24
